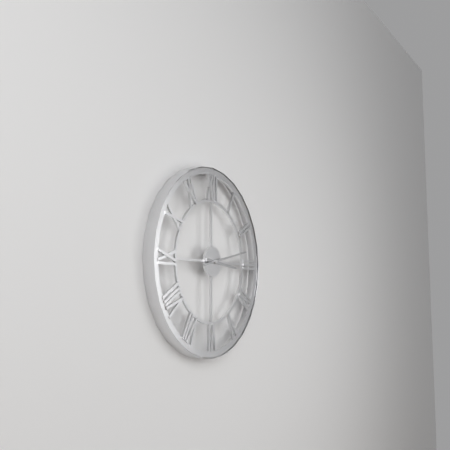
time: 3:13
